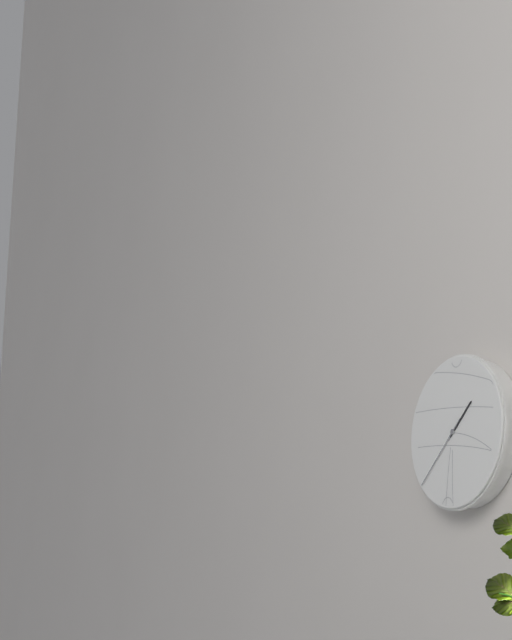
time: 1:38
